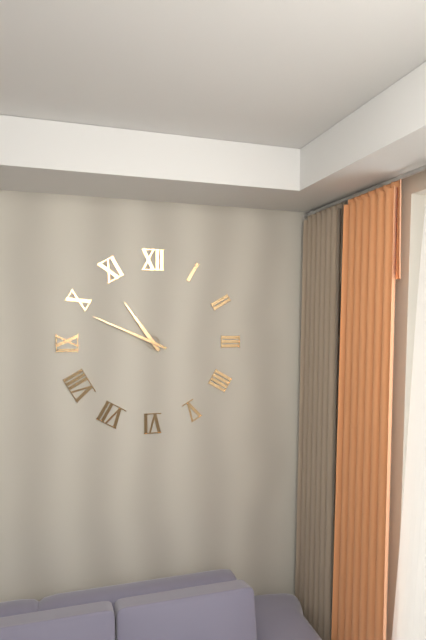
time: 10:49
